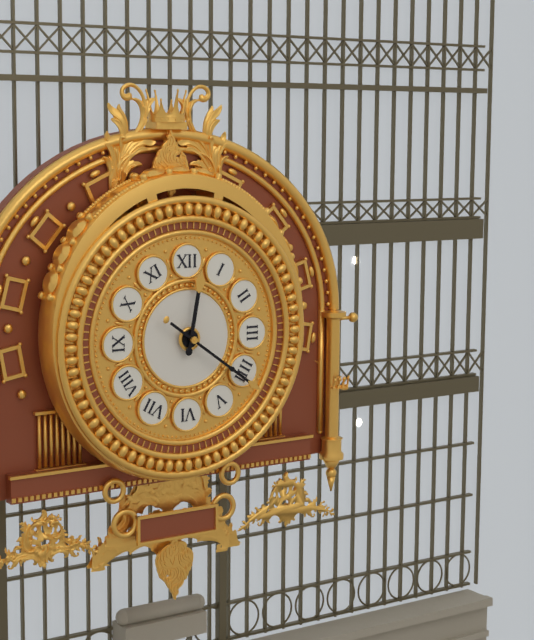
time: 12:21
